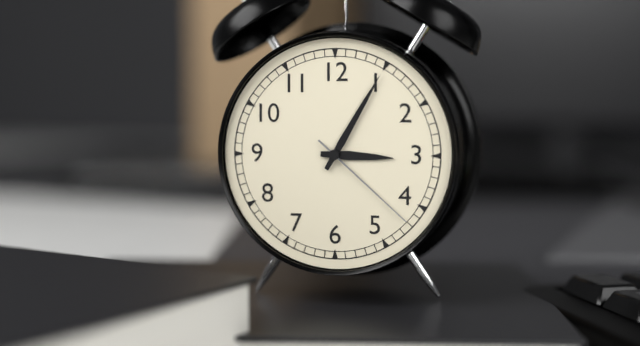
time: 3:05:22
